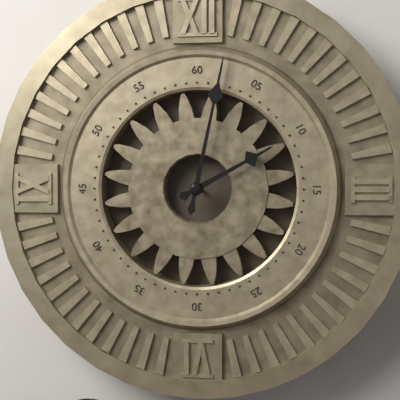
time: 2:02
